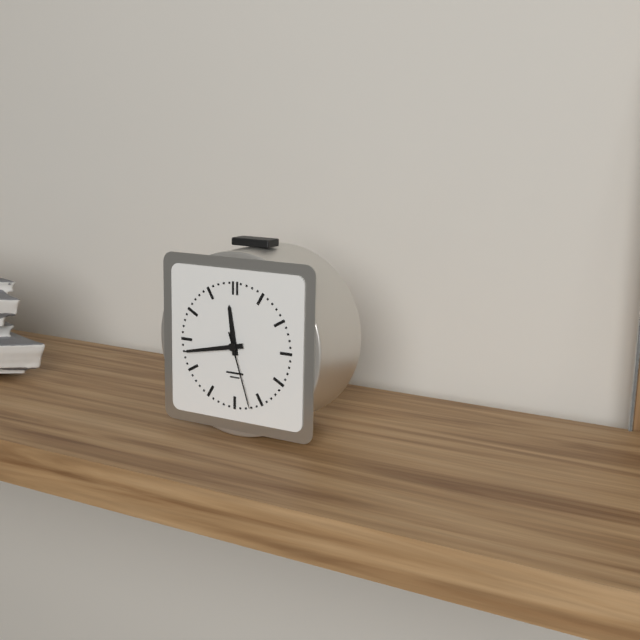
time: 11:43:27
